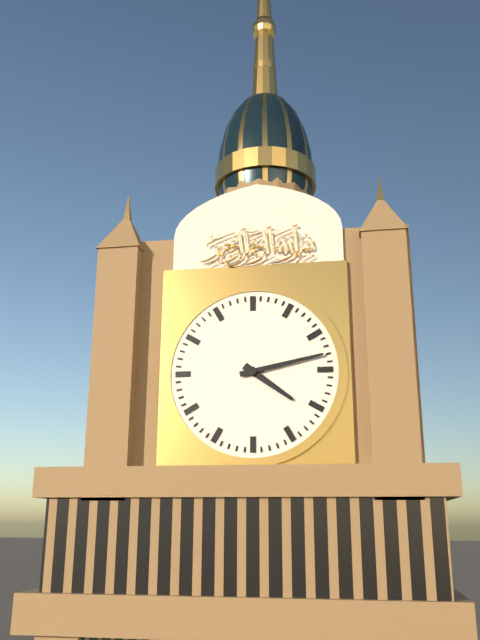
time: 4:13
